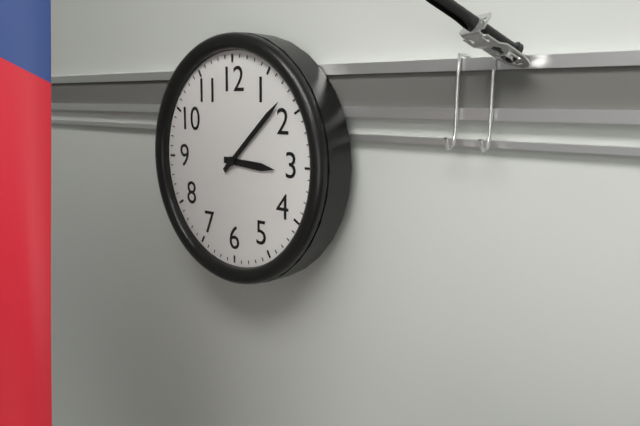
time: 3:08
